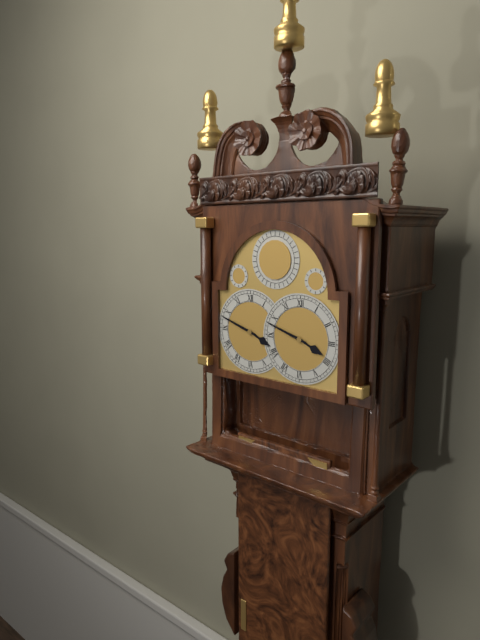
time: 3:48
